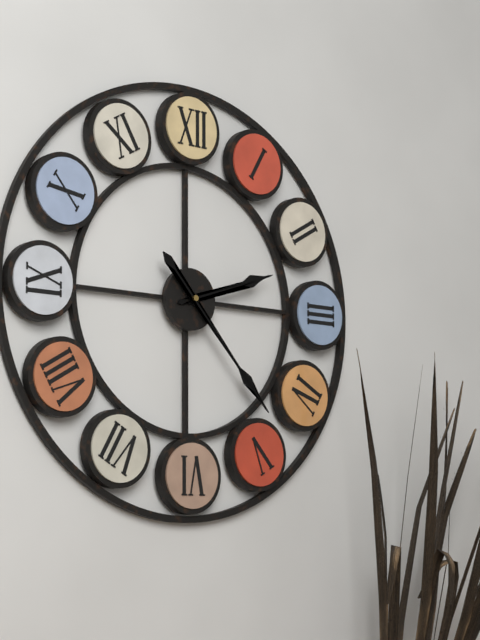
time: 2:23
